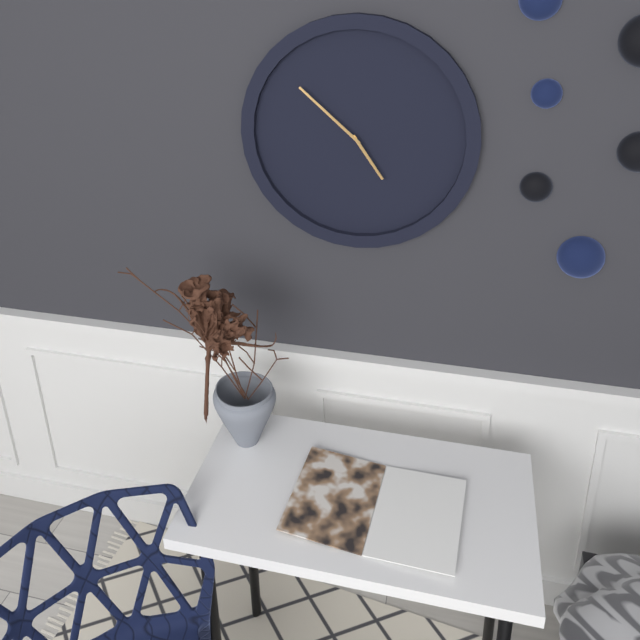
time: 4:52
